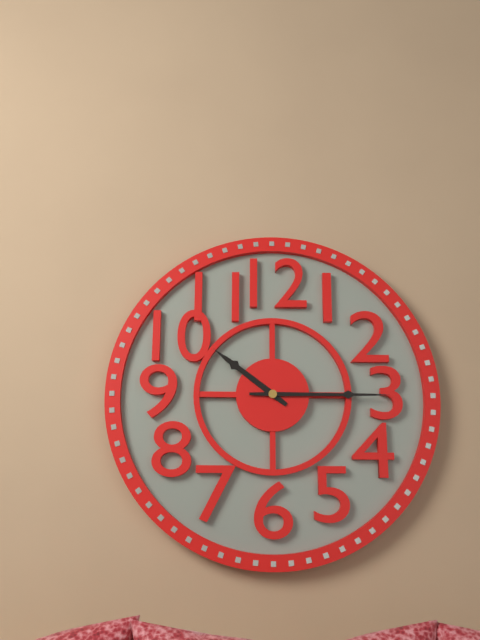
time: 10:15
